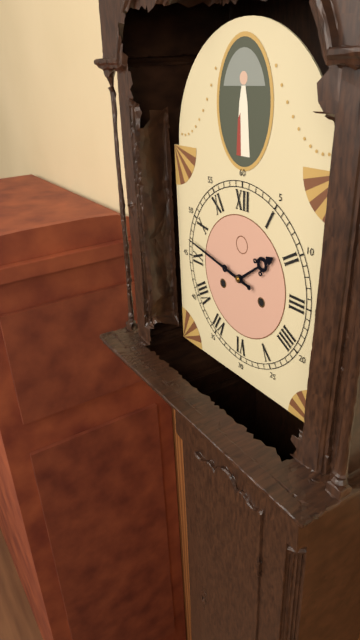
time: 1:47
